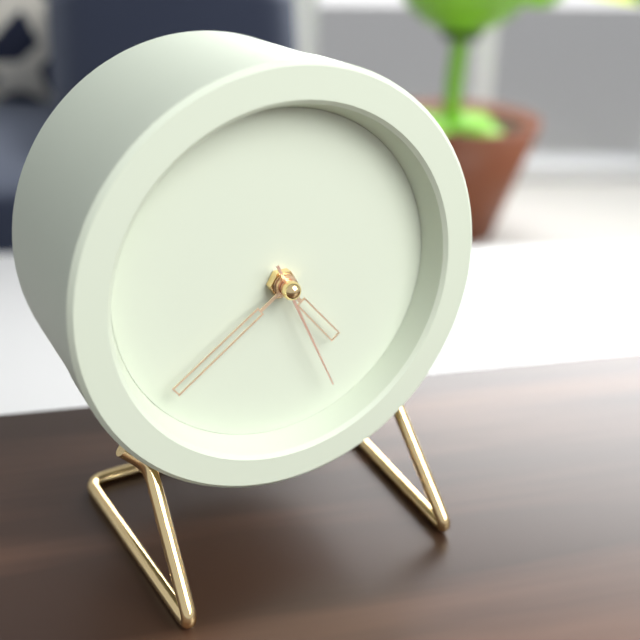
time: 4:39:26
